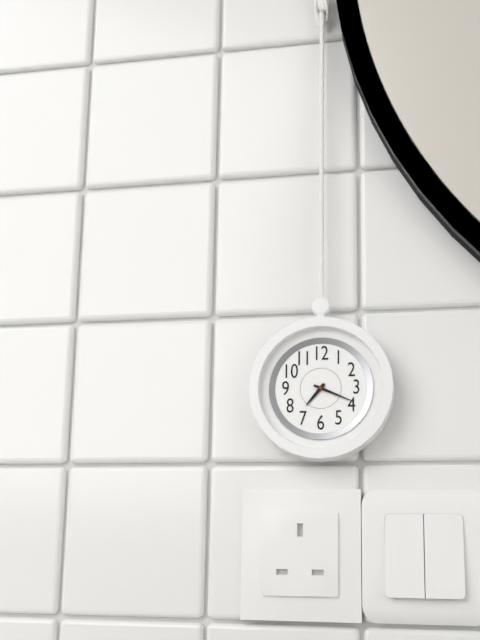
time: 7:19
